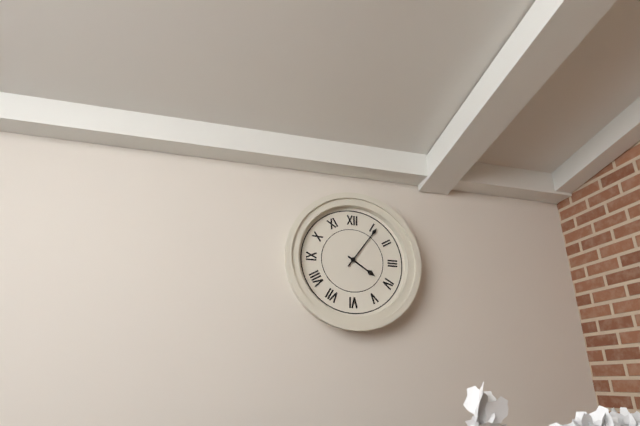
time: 4:06
